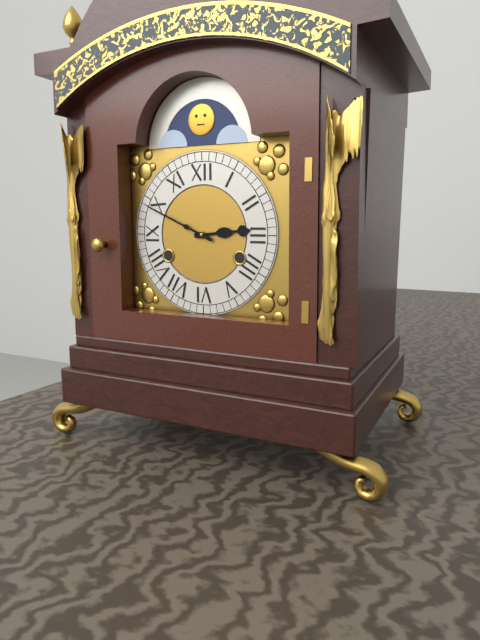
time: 2:49
